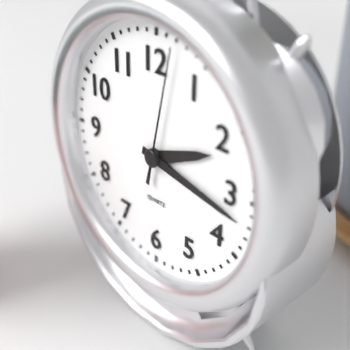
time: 2:17:02
